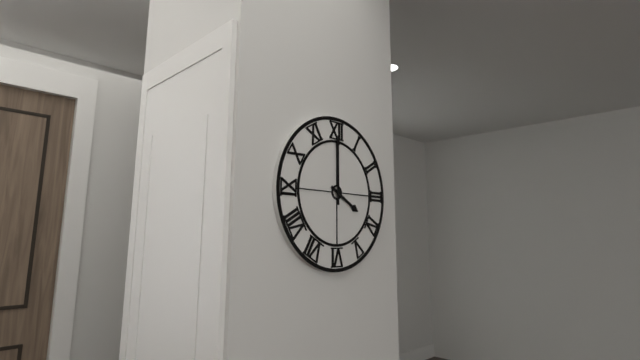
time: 4:00
